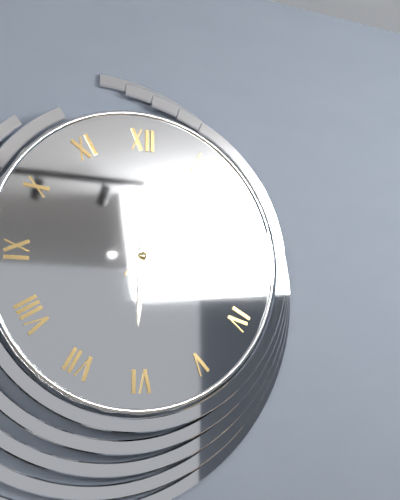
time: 6:07
